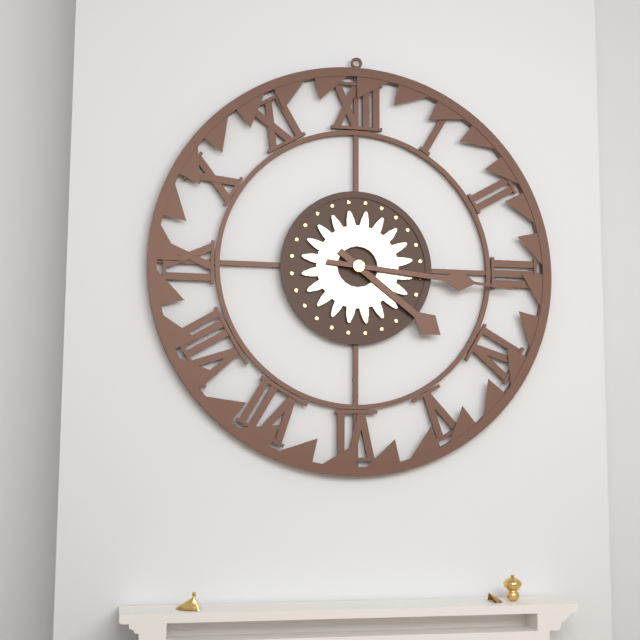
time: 4:16
